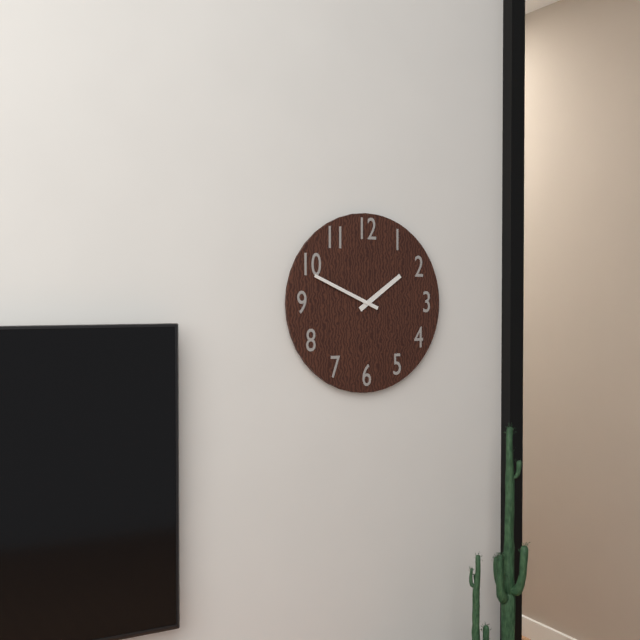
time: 1:49
